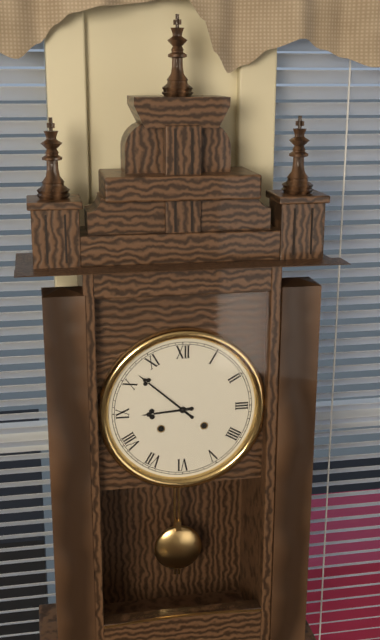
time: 8:52
